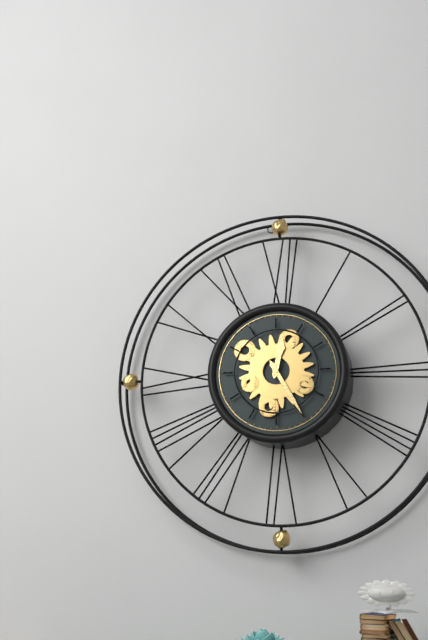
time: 12:25
